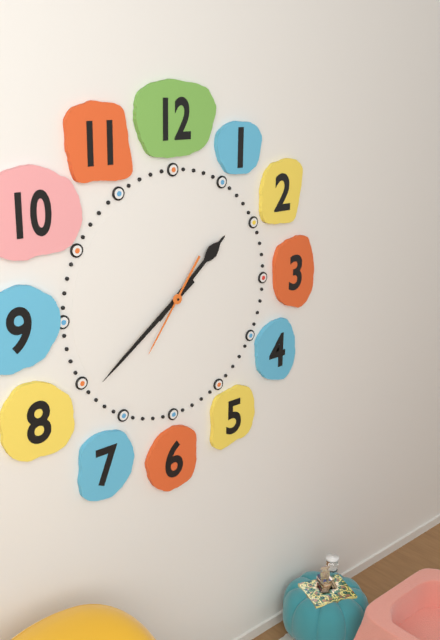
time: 1:39:36
